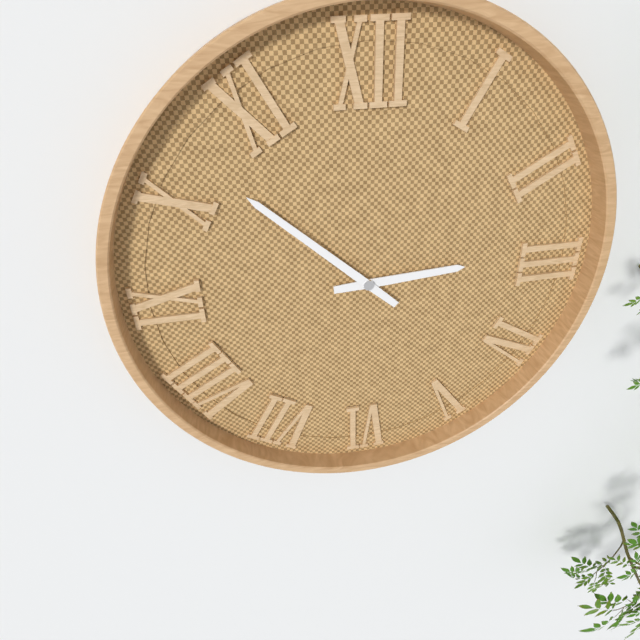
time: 2:52
